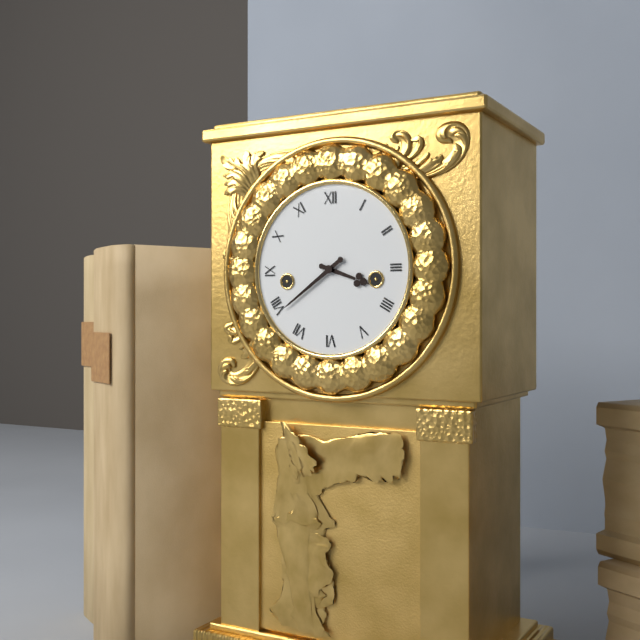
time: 3:39
